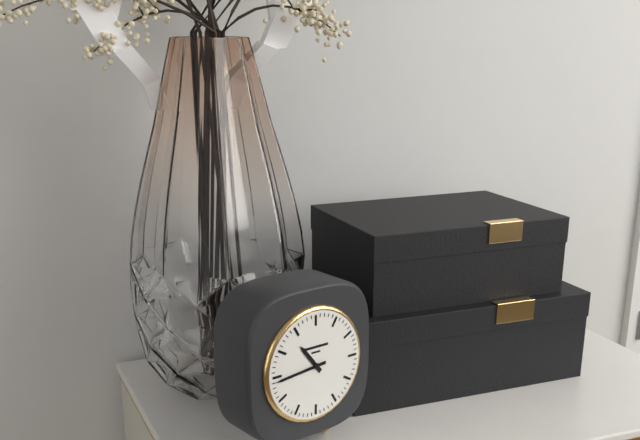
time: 10:44
